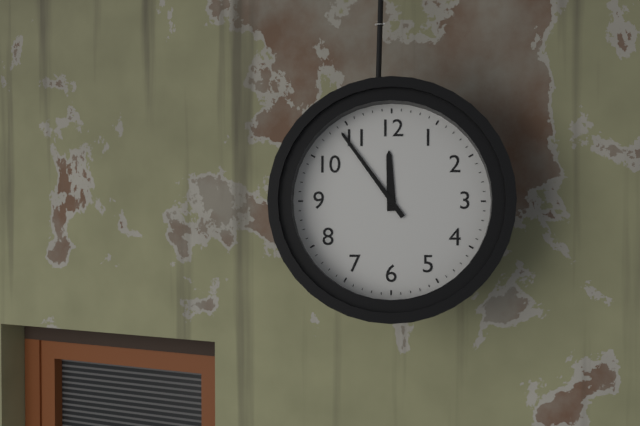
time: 11:54
